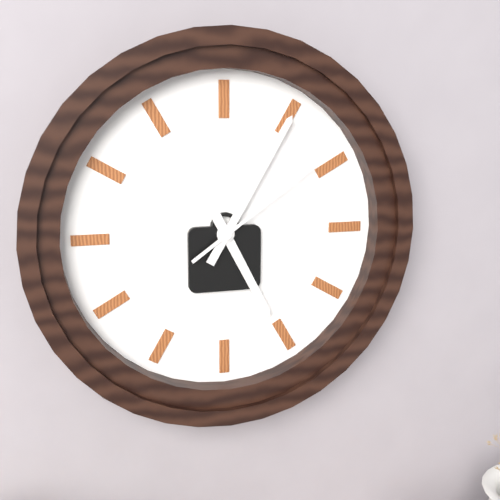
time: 5:05:09
